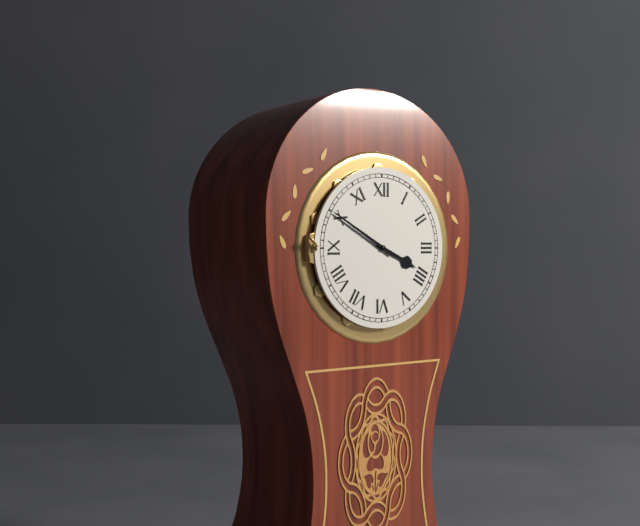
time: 3:50
